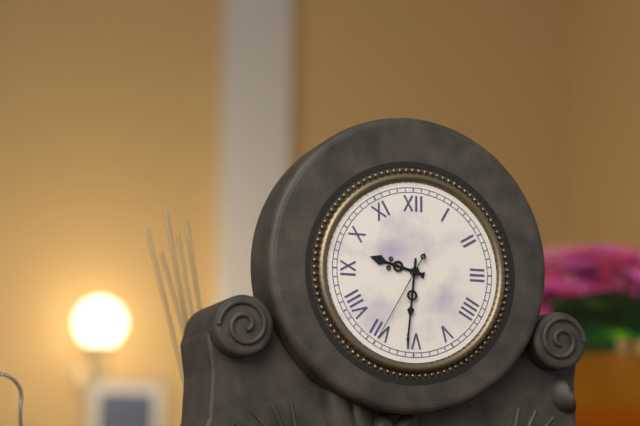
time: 9:31:35
